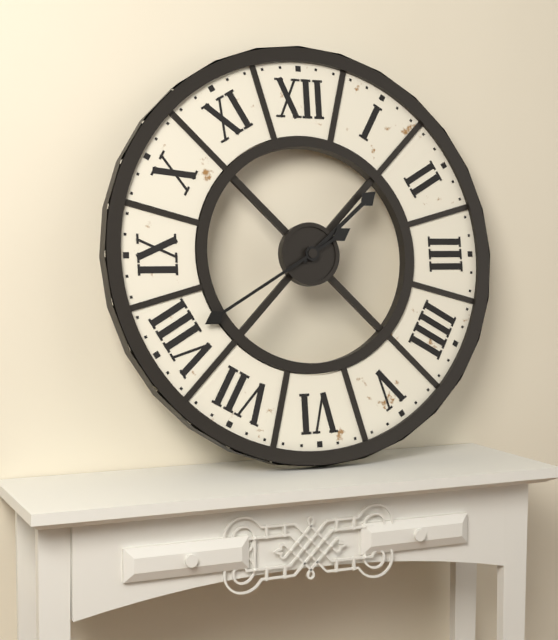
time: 1:40
